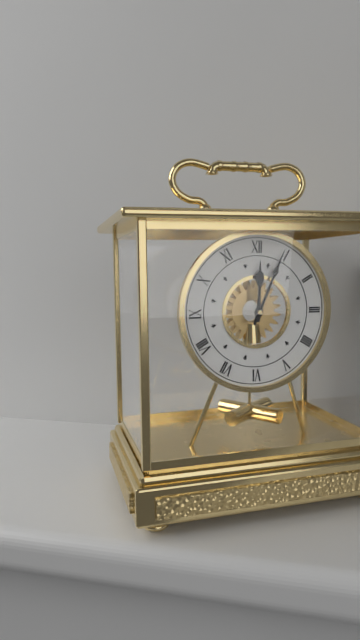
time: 12:04
